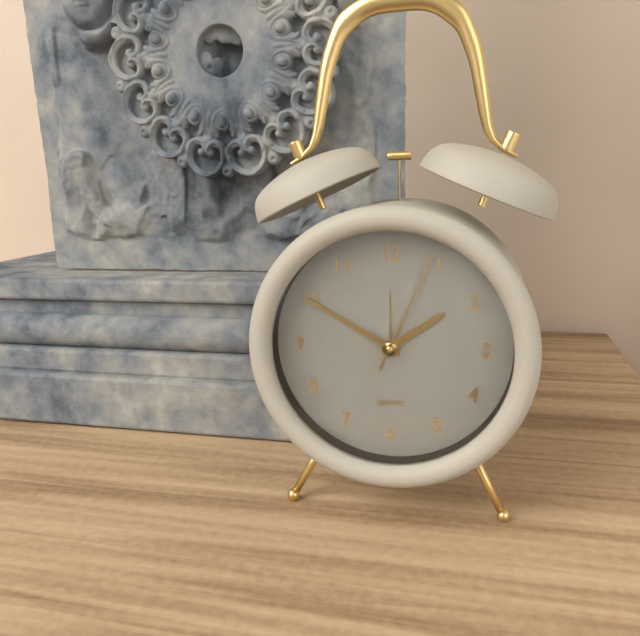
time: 1:50:04
